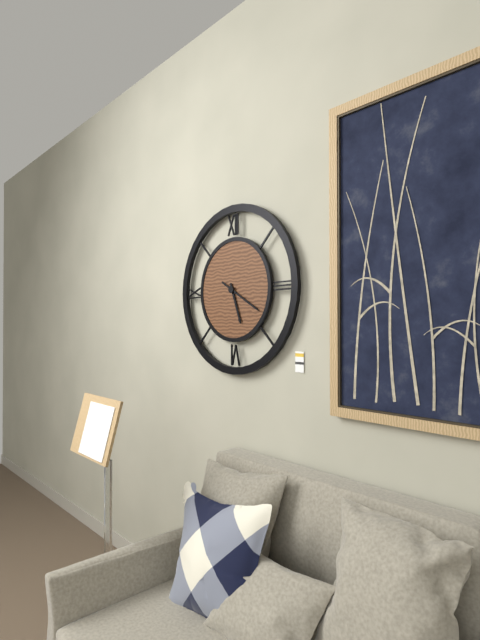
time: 5:20
